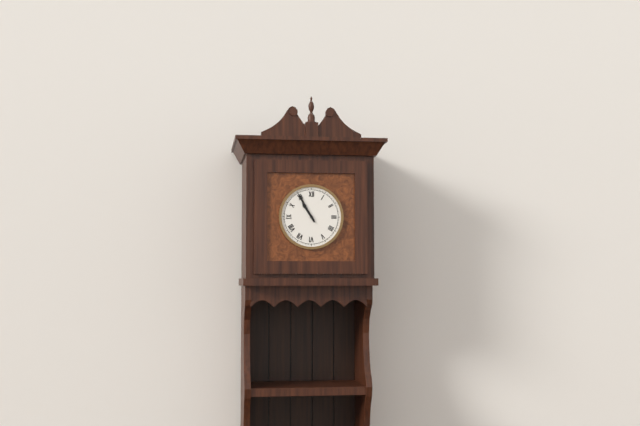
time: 10:55
